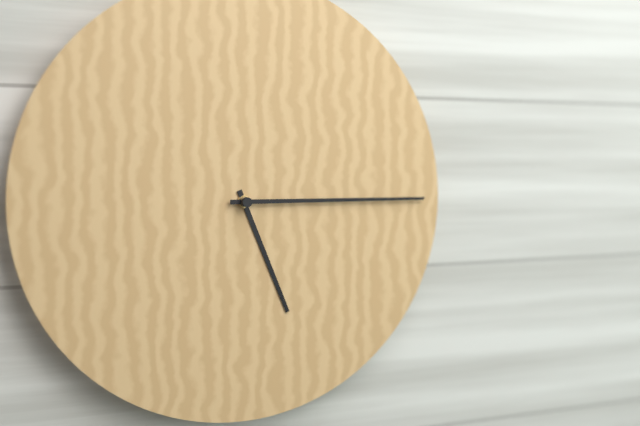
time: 5:15
